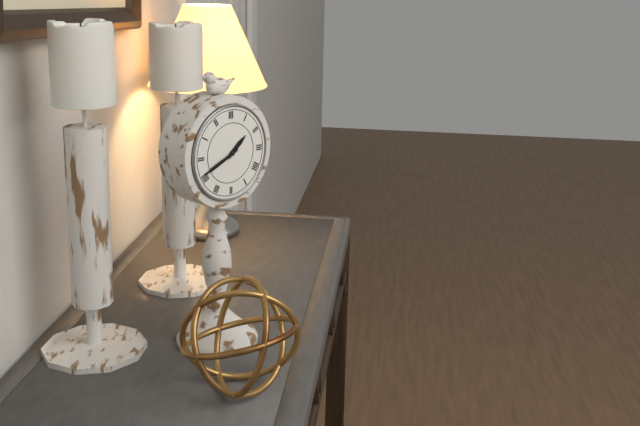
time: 1:41
